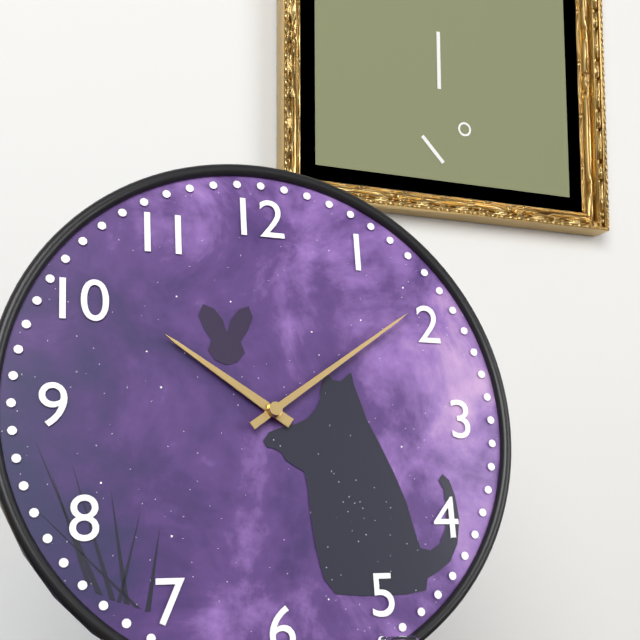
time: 10:09
